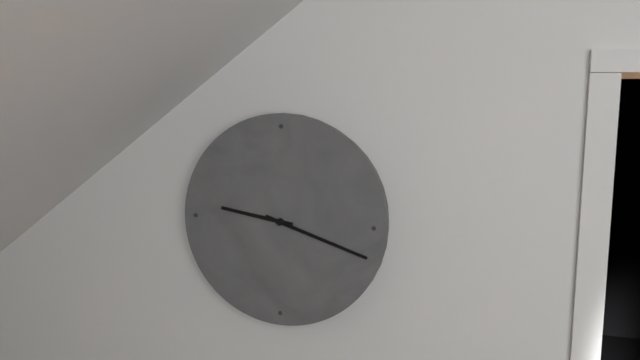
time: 9:18
